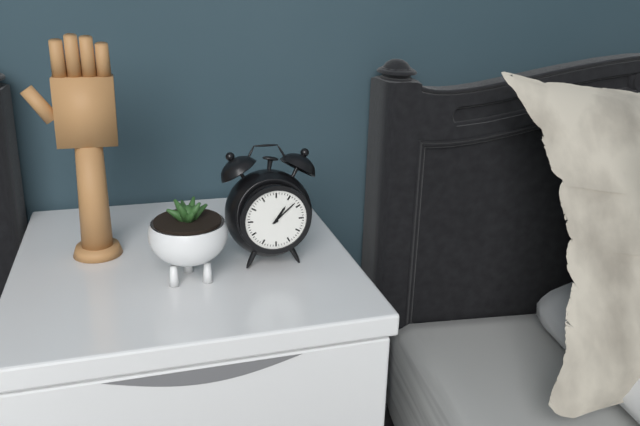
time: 1:08
